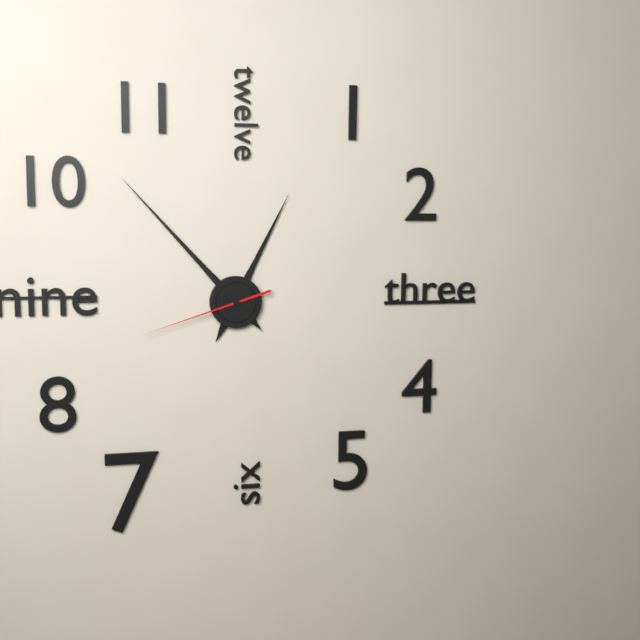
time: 12:53:42
